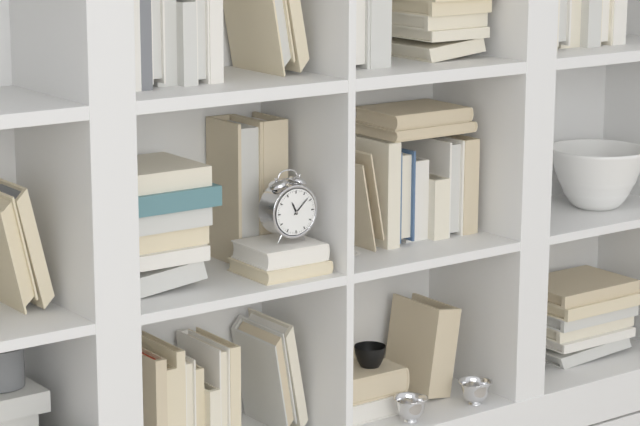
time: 11:08
